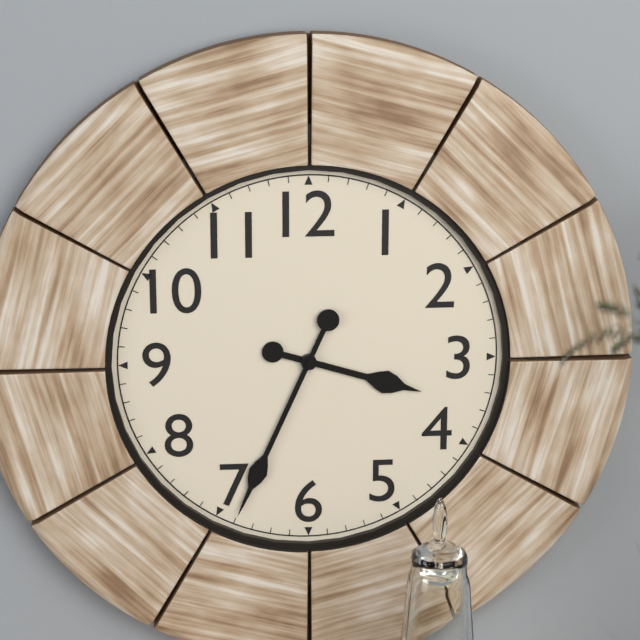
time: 3:34
